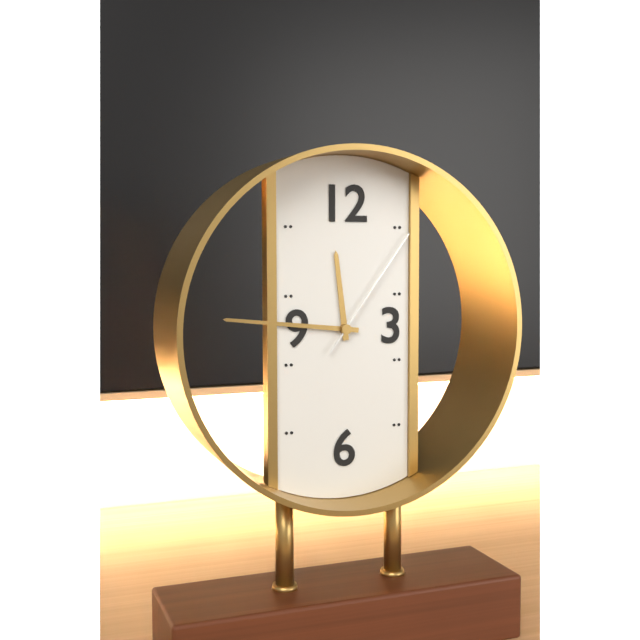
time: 11:46:06
